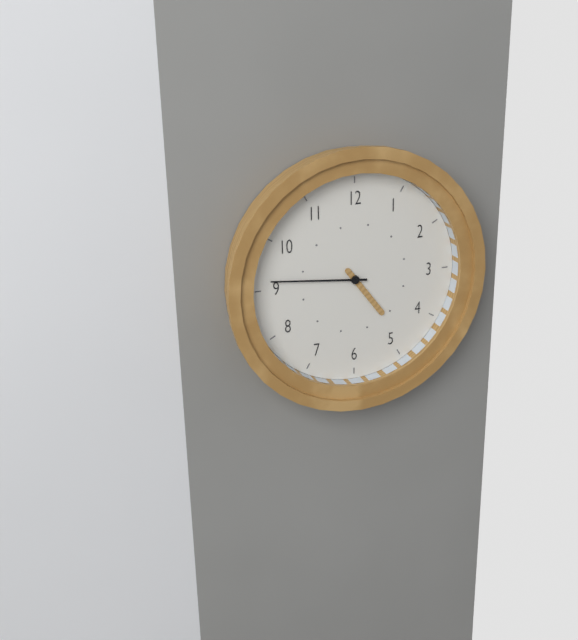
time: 4:46
